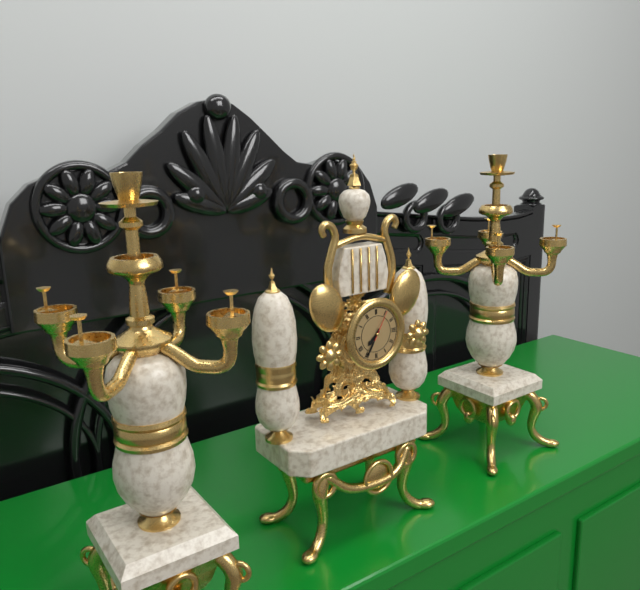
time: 7:35
